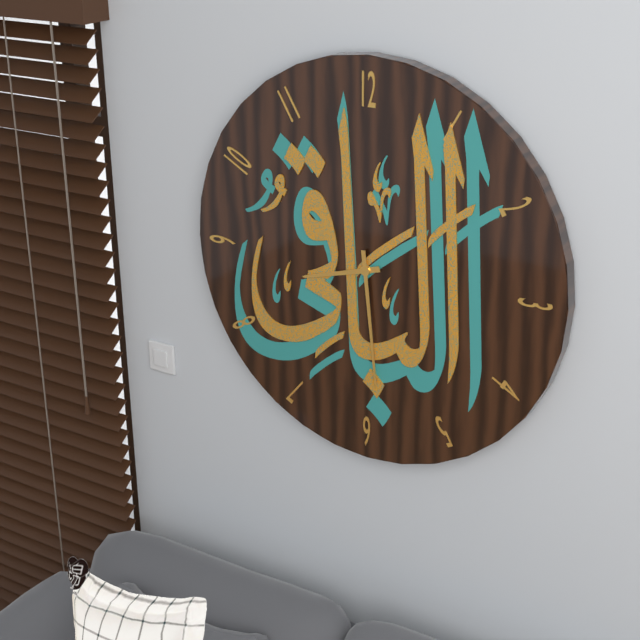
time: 8:29
